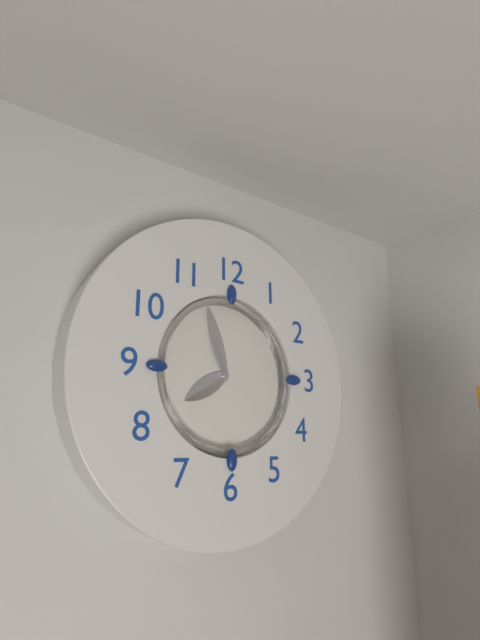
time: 7:57
